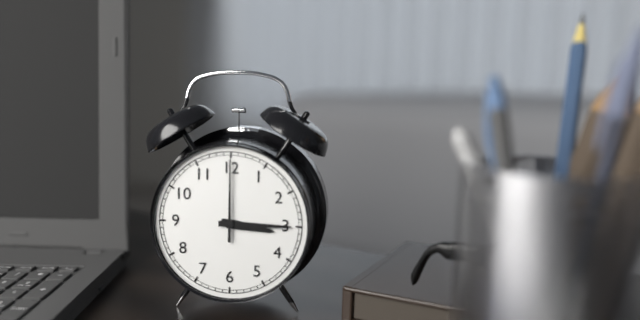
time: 3:15:00
